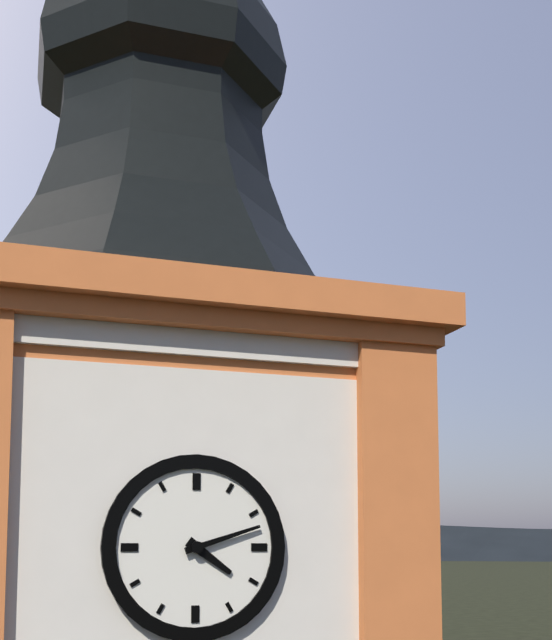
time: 4:12
